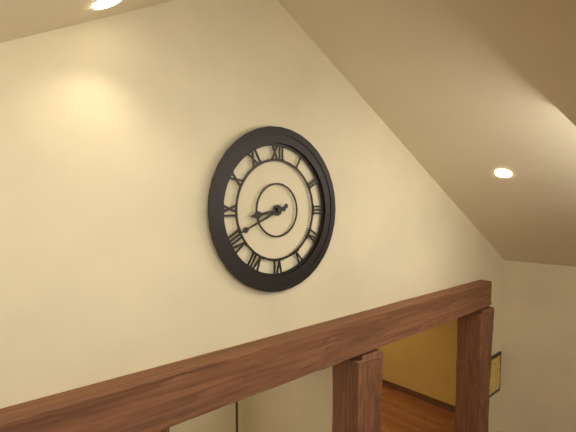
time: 8:41
